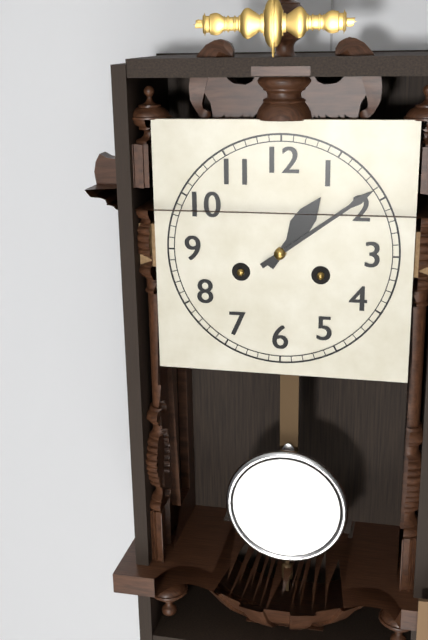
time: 1:09
